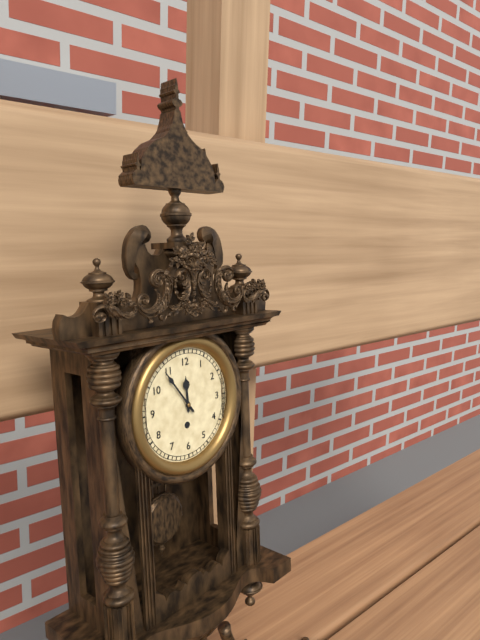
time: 11:54
